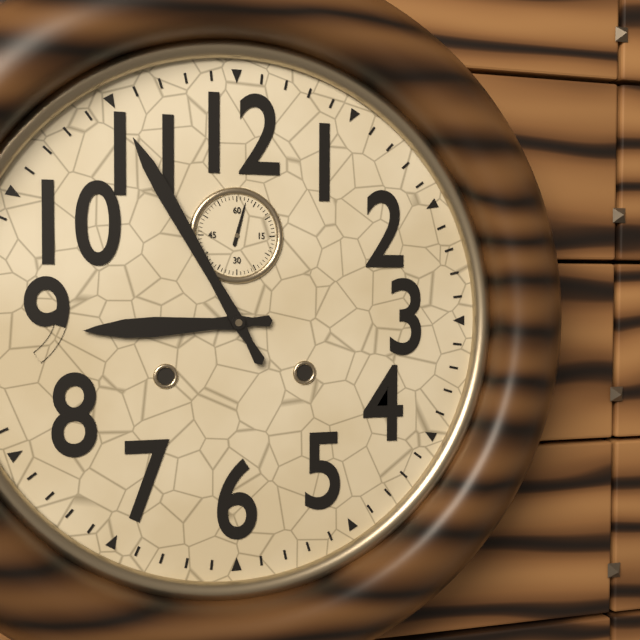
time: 8:55
